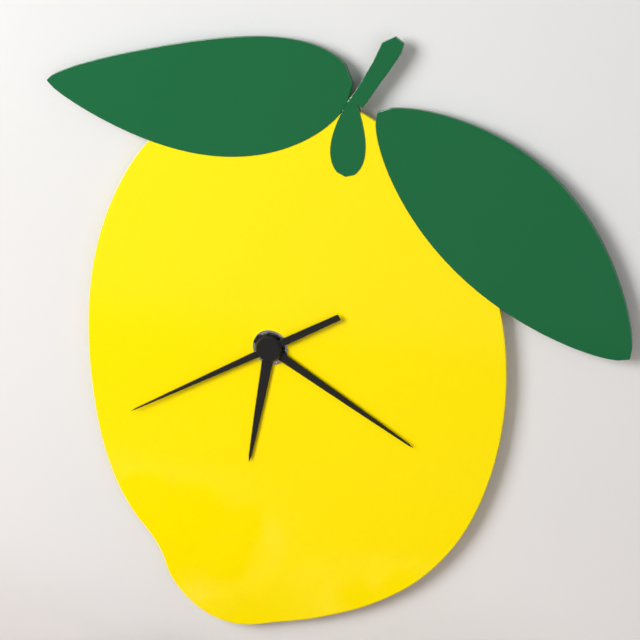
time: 6:20:40
